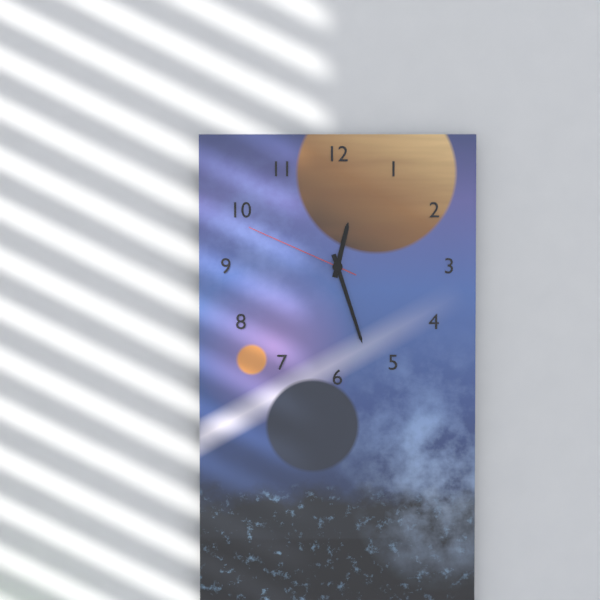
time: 12:27:49
